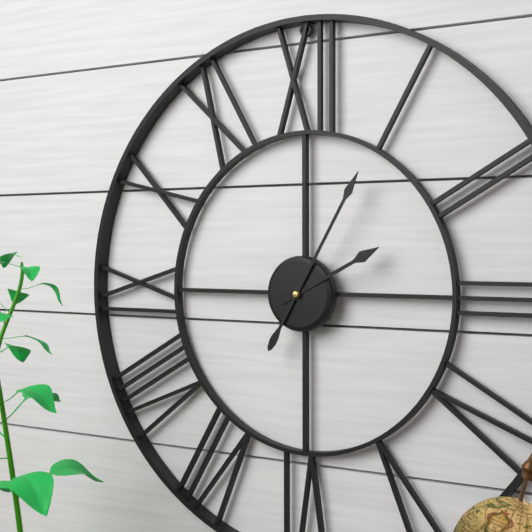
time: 2:05
